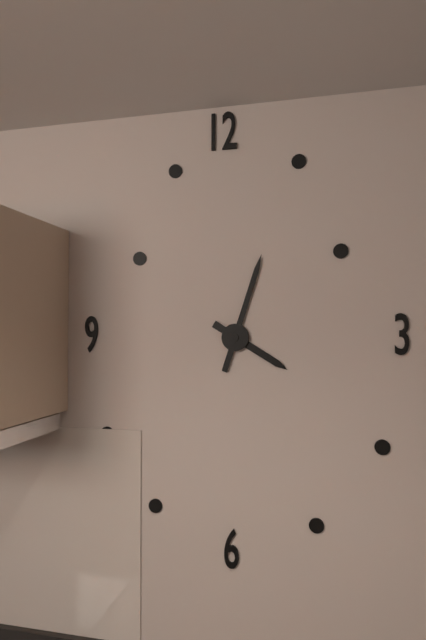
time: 4:03
